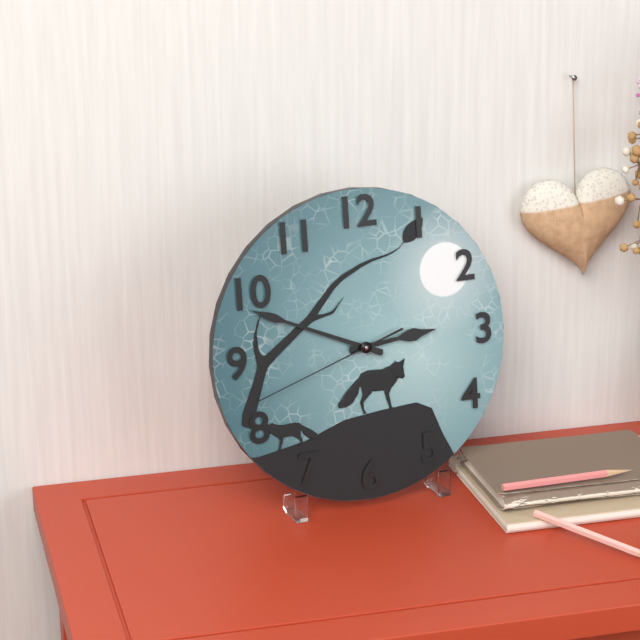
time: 2:49:42
